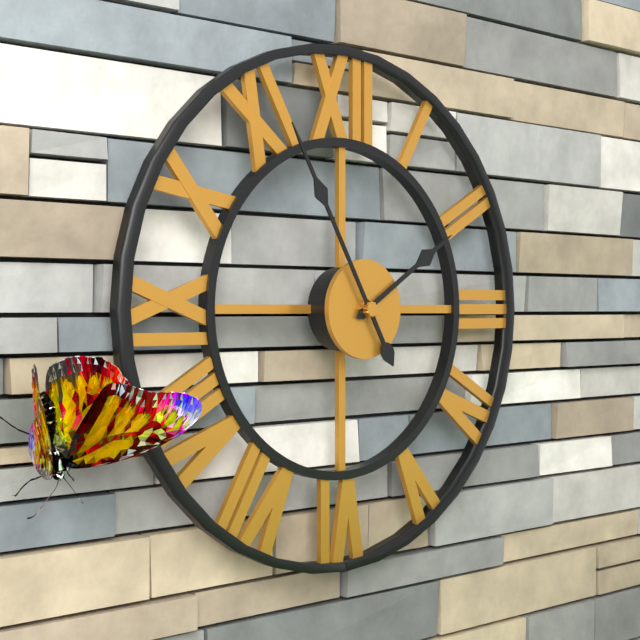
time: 1:55
